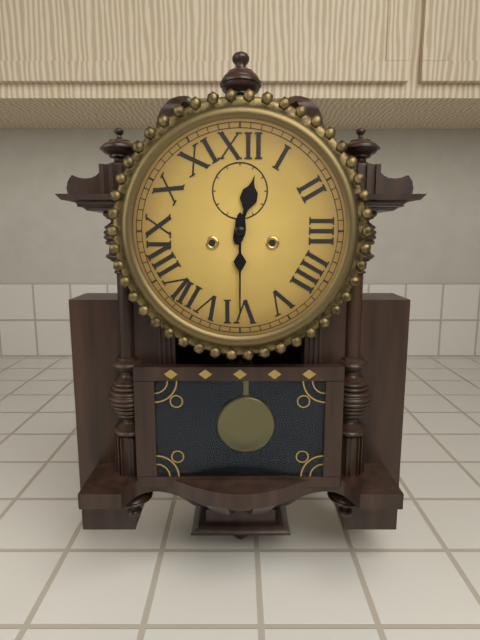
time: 12:30
